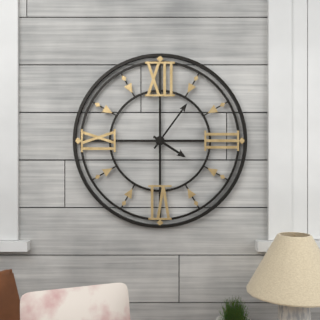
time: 4:06
